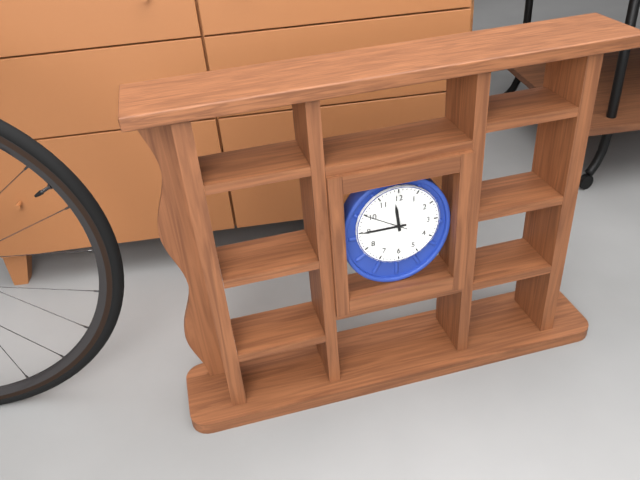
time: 11:45
